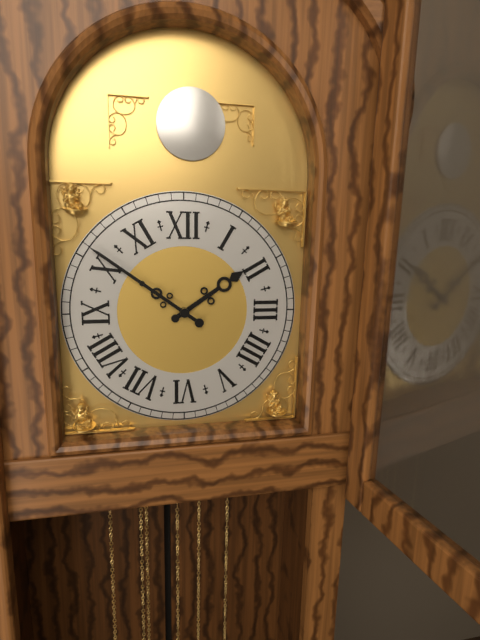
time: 1:51
